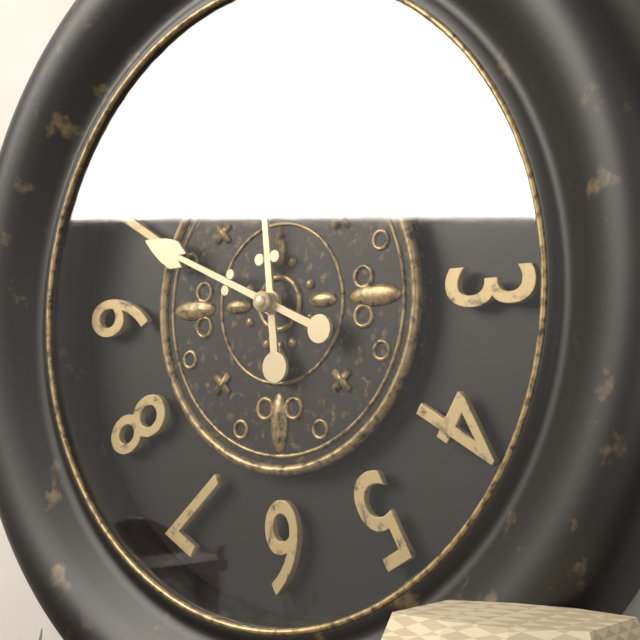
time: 11:49
